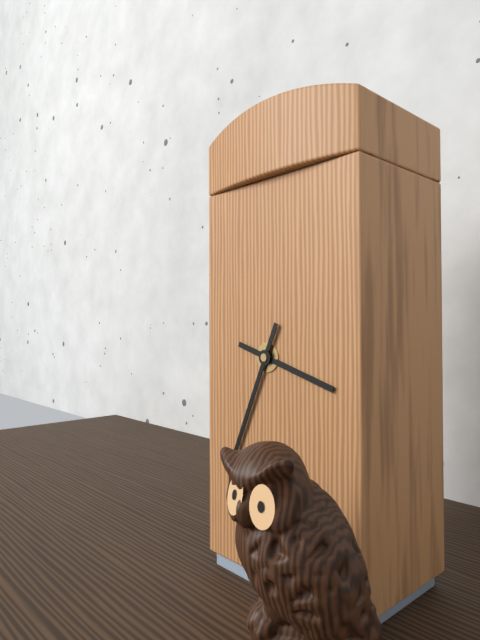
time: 3:34
